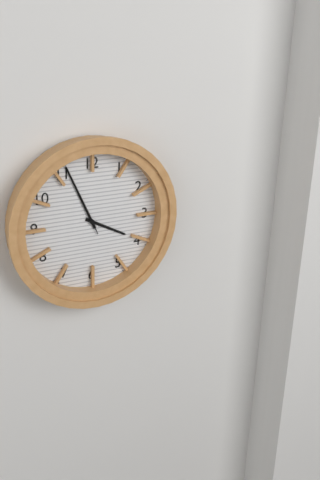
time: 3:56:56
